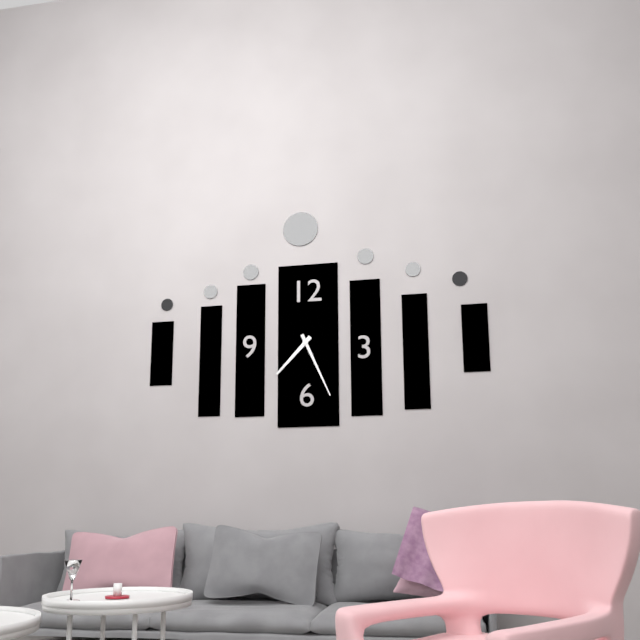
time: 7:26
